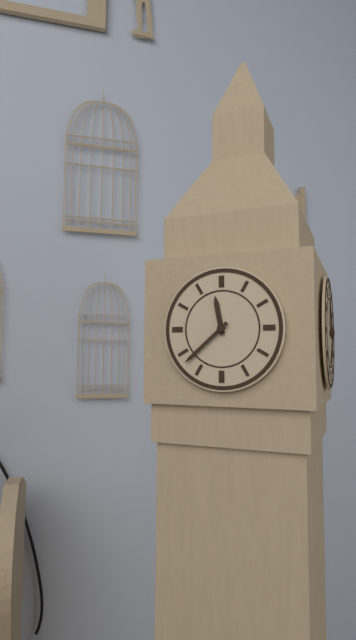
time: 11:38
